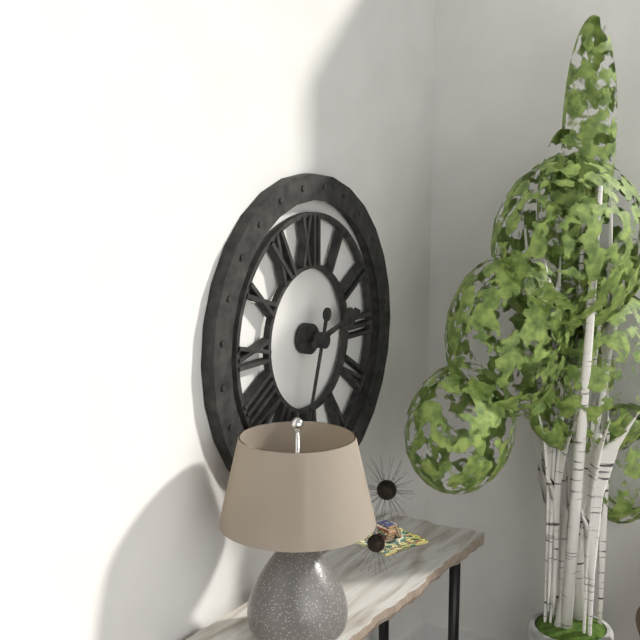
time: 2:33
